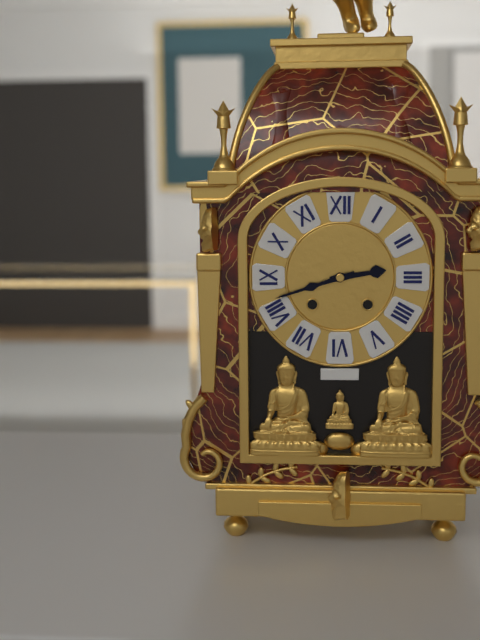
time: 2:42
